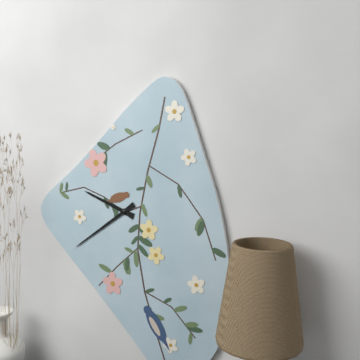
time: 9:39
